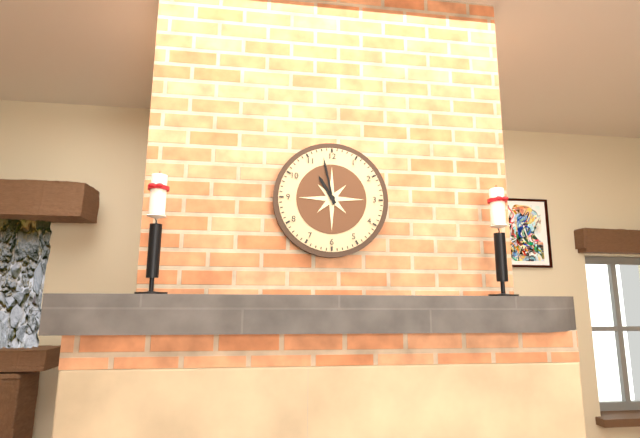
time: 10:58
